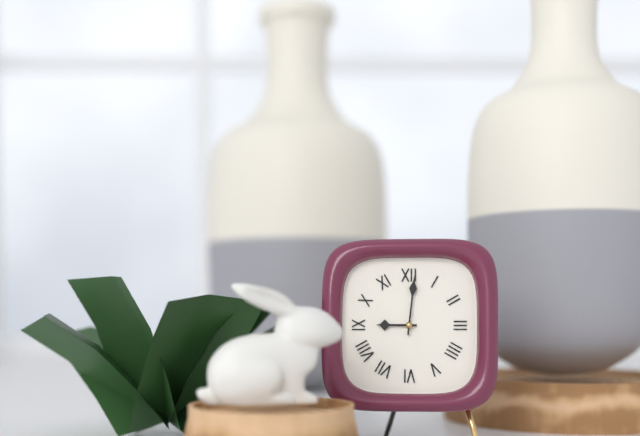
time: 9:01
